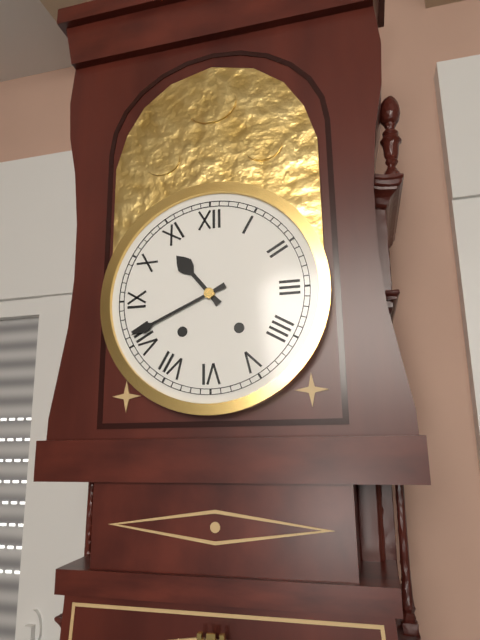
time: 10:41
